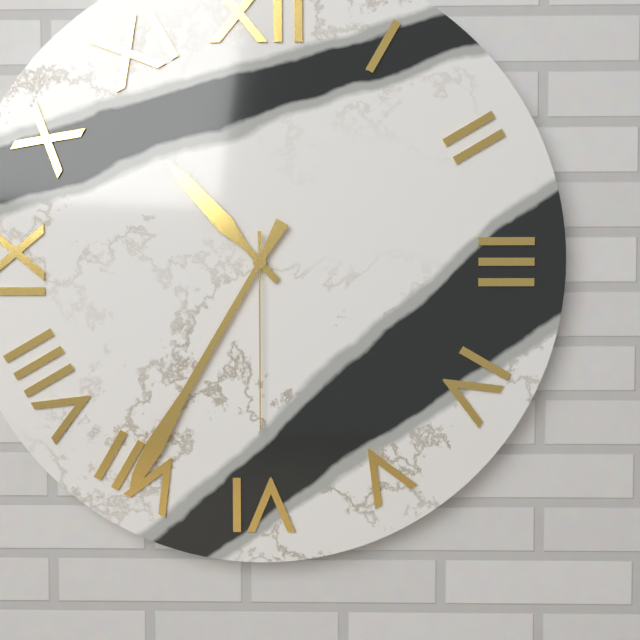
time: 10:35:30
